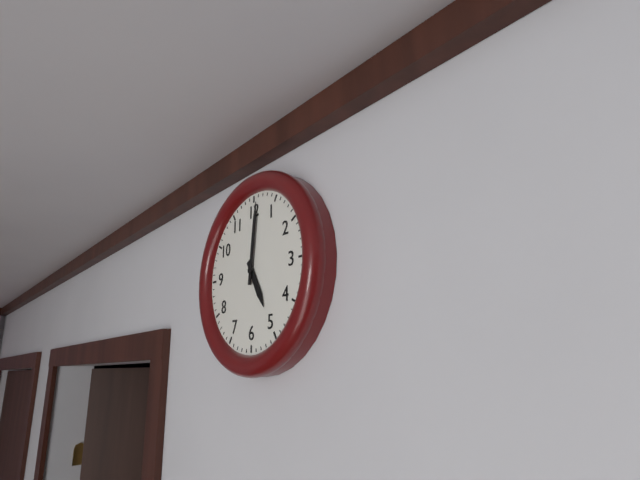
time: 5:01
